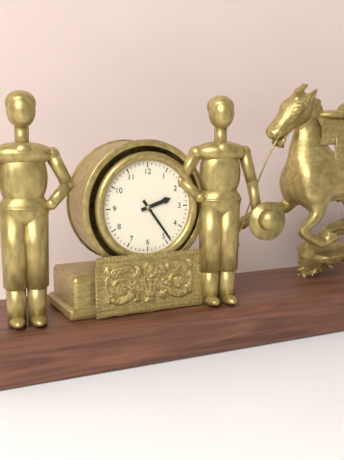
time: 2:24
